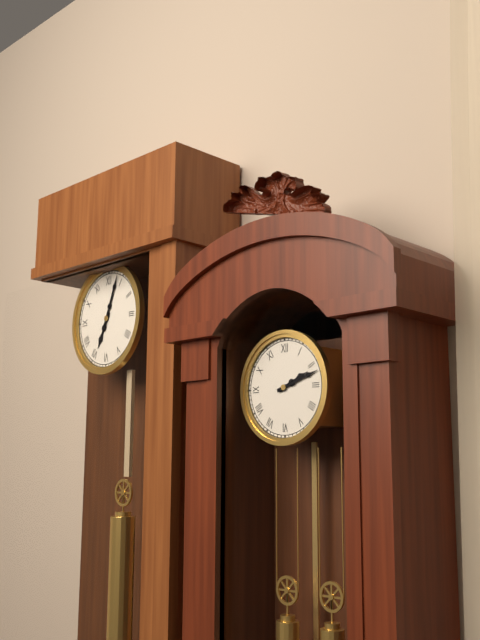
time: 2:12
